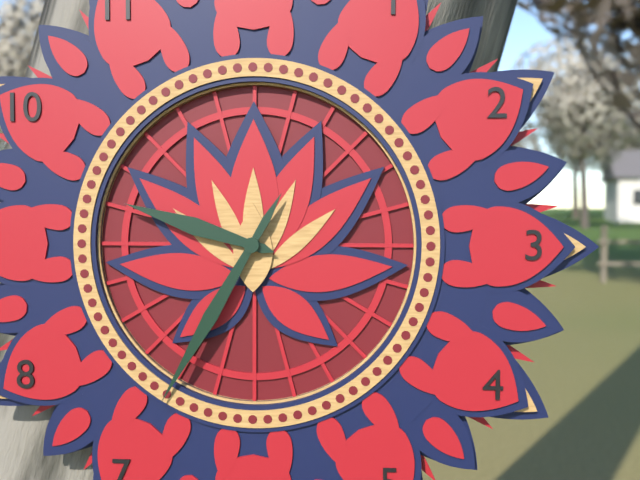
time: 9:35
